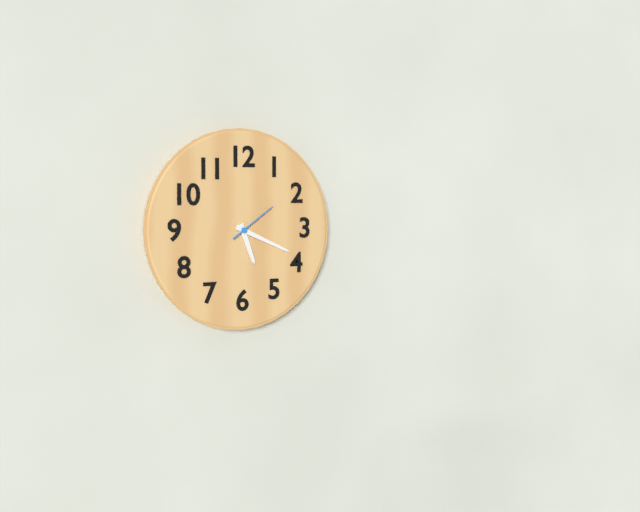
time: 5:19
